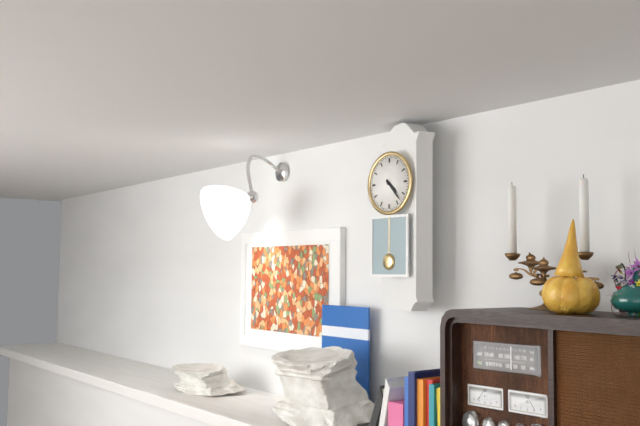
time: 4:23
